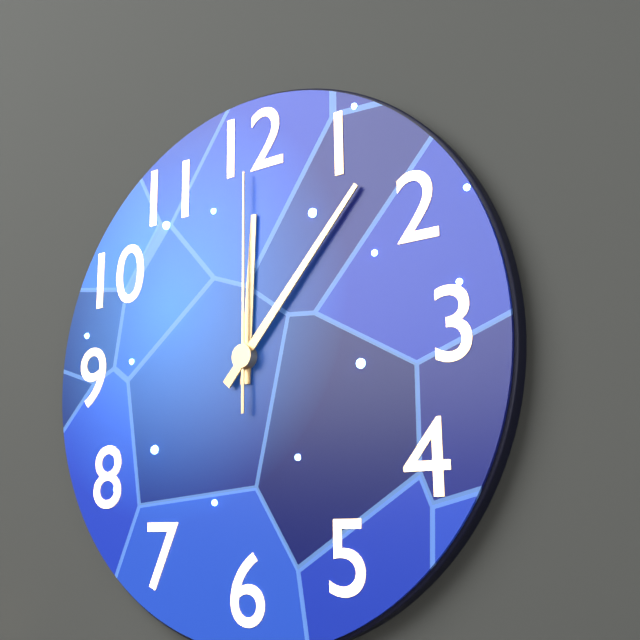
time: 12:07:00
